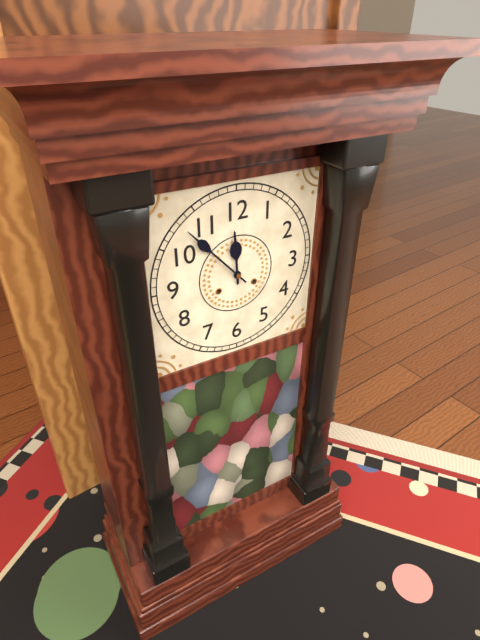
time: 11:53
